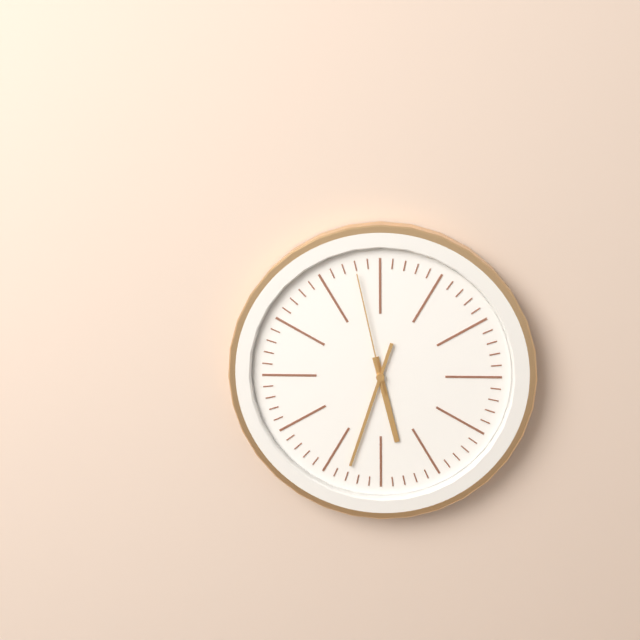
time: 5:33:58
